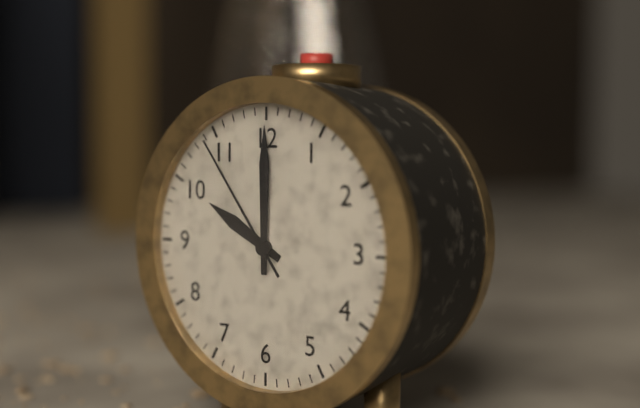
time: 10:00:54
